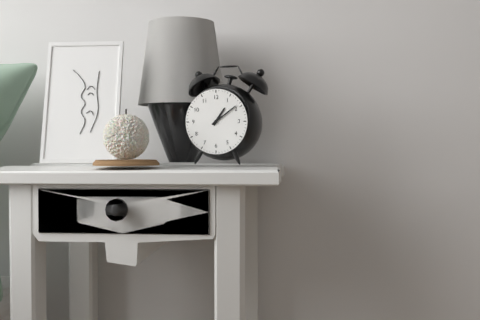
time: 1:09
